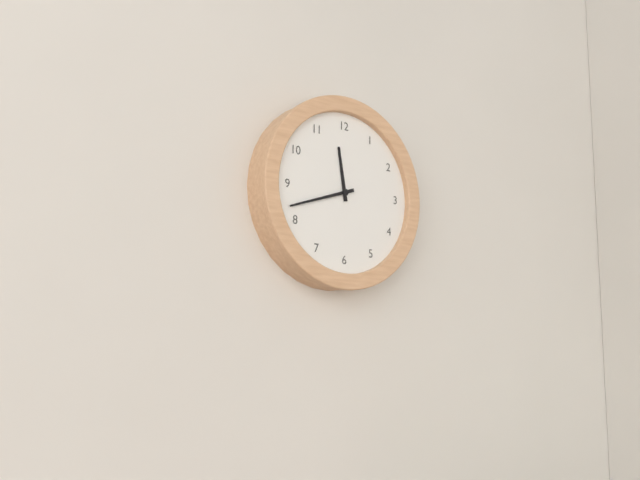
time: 11:42
